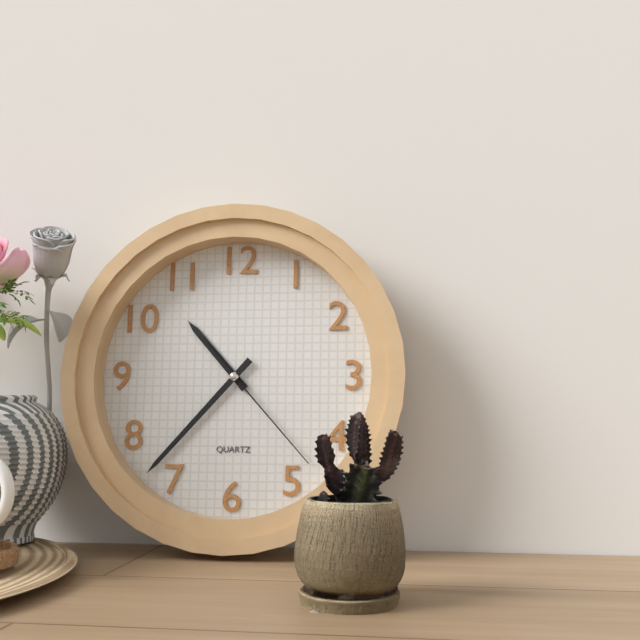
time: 10:37:23
